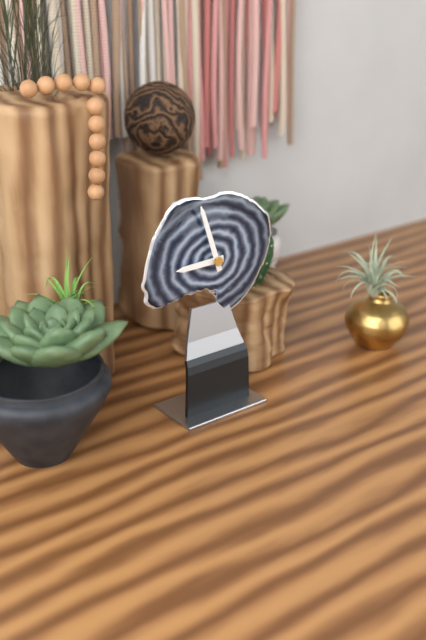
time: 8:57
